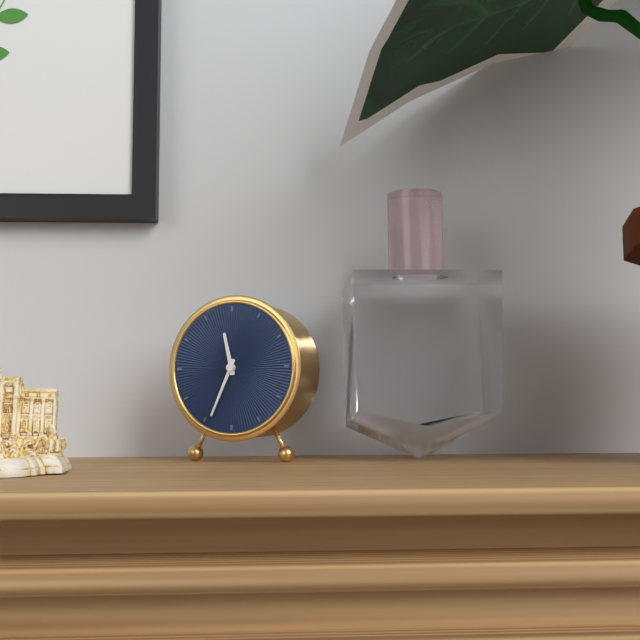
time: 11:34
